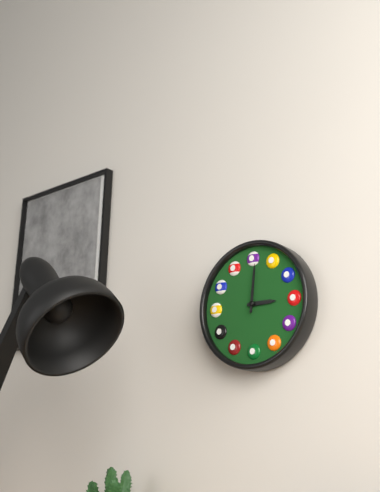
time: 3:01
